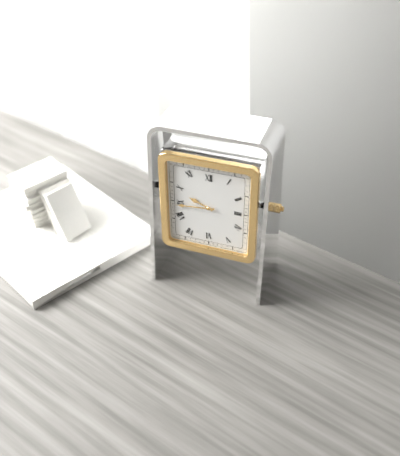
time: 9:44
